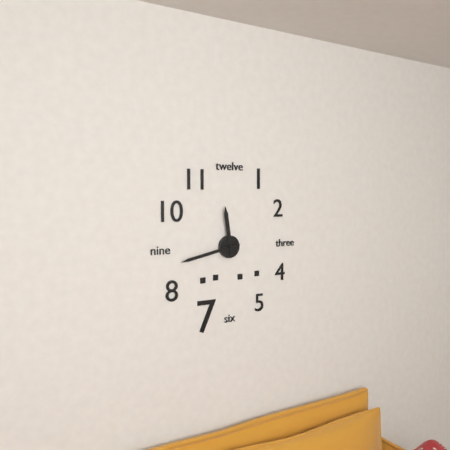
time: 11:43
